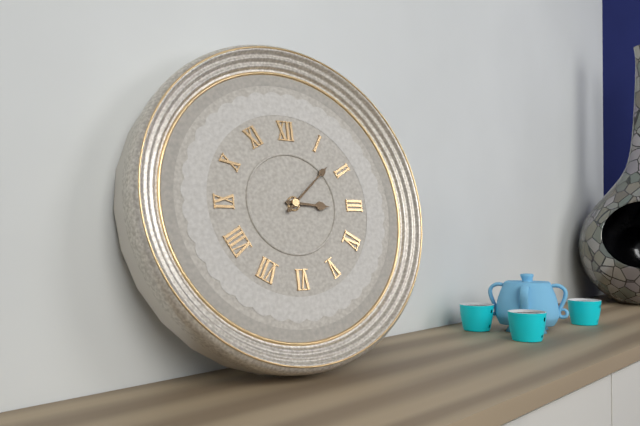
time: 3:08
